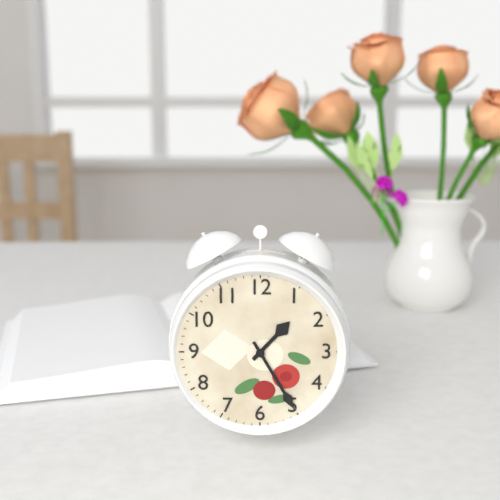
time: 1:25
